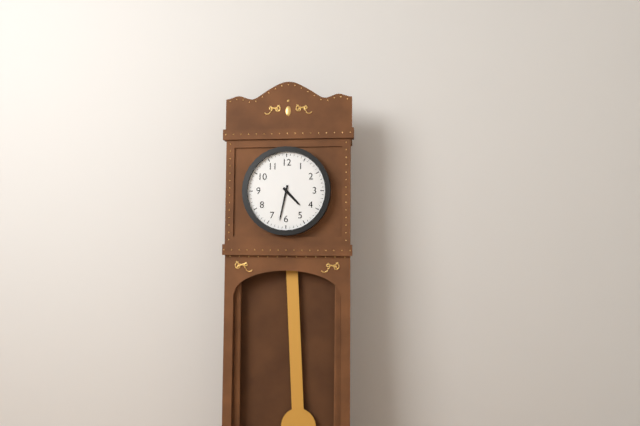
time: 4:32
